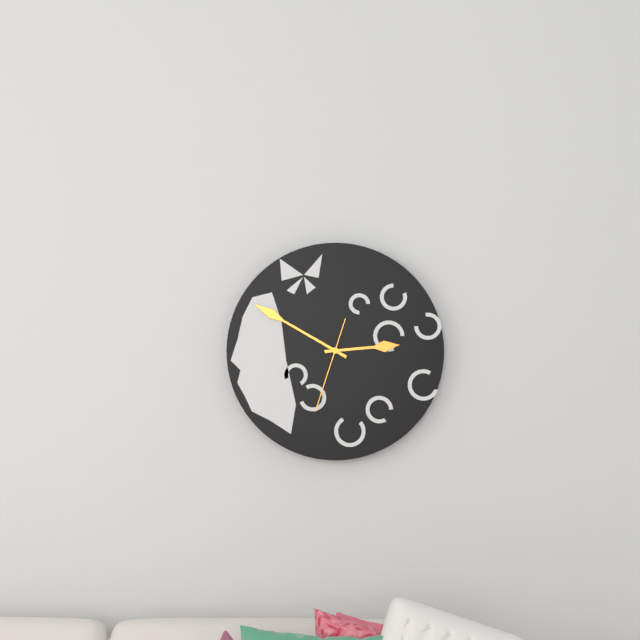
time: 2:50:33
